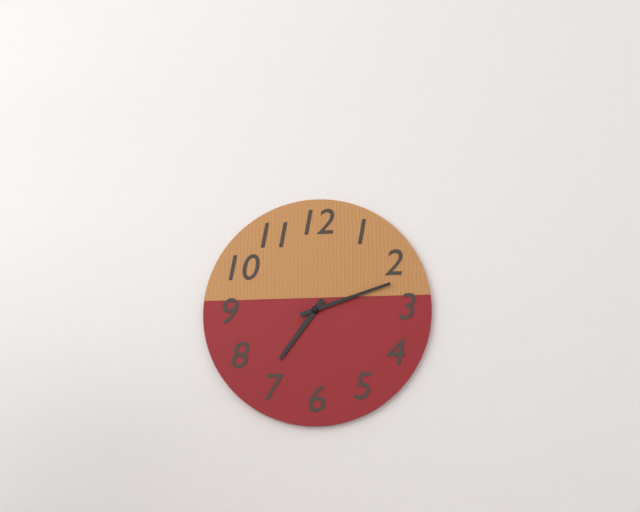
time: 7:12
